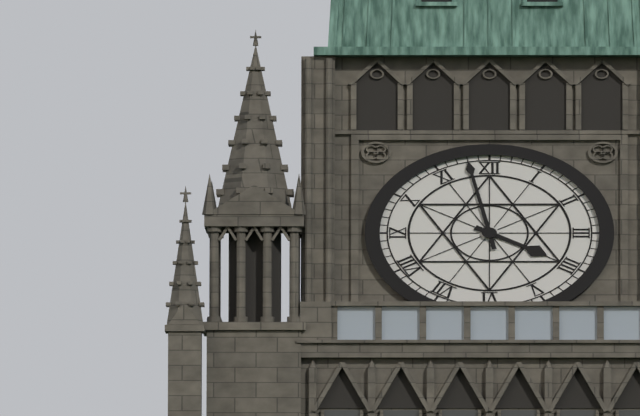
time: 3:58
